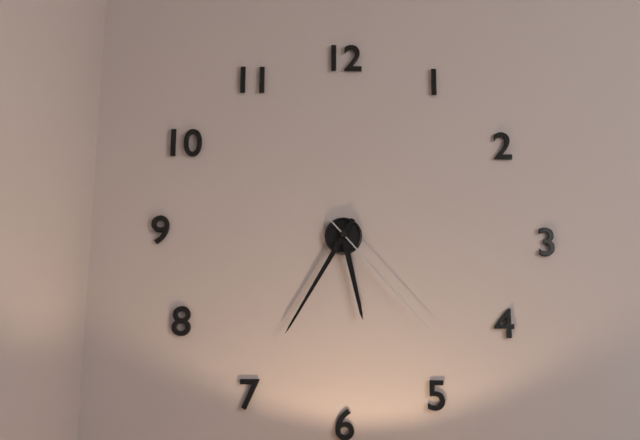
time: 5:35:23
